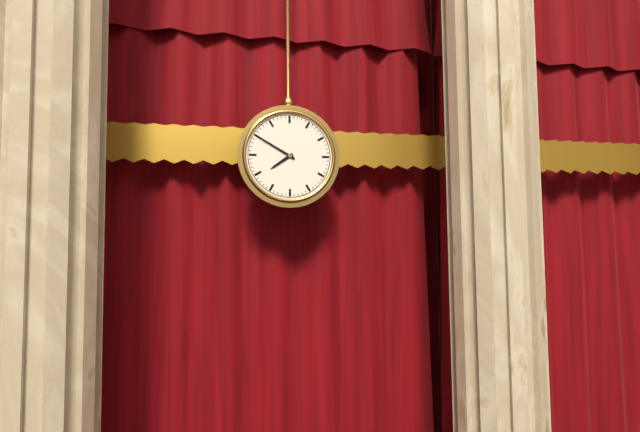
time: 7:50
